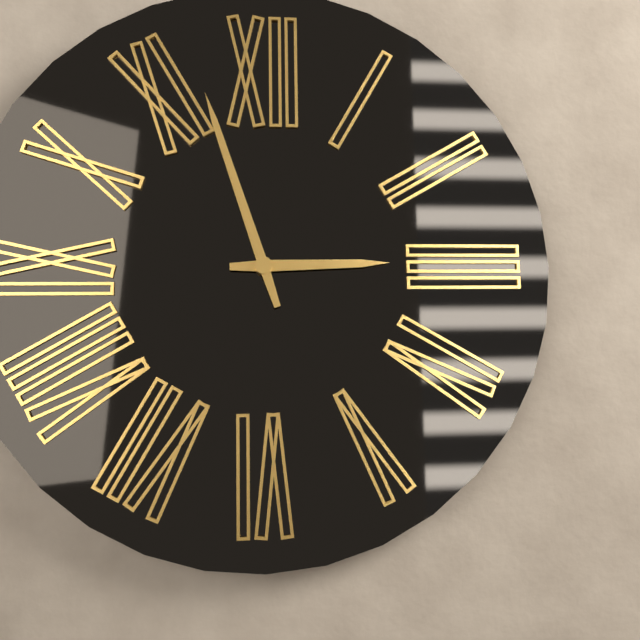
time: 2:57
